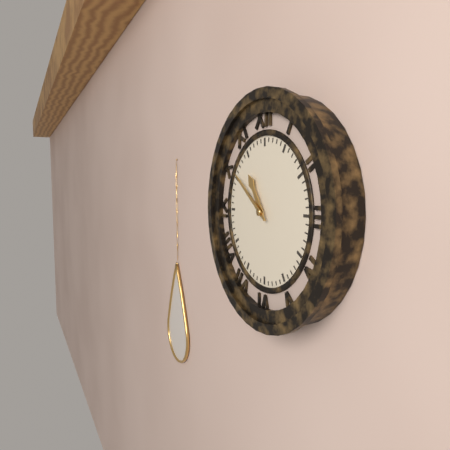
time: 10:51
